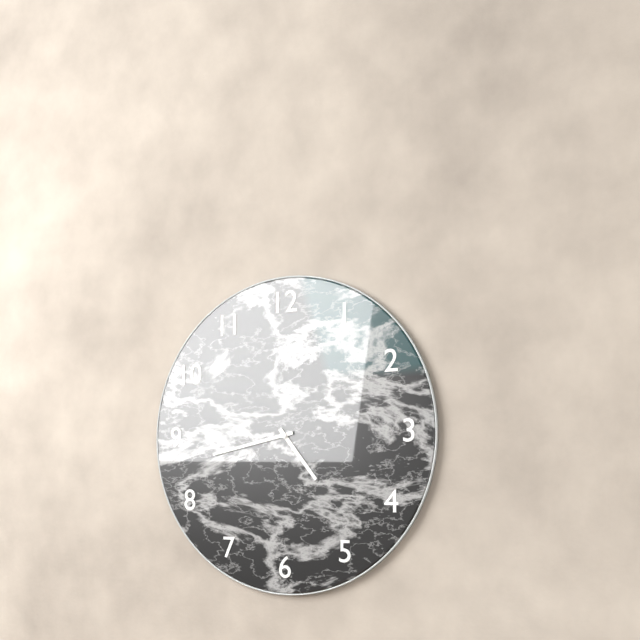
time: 4:43
